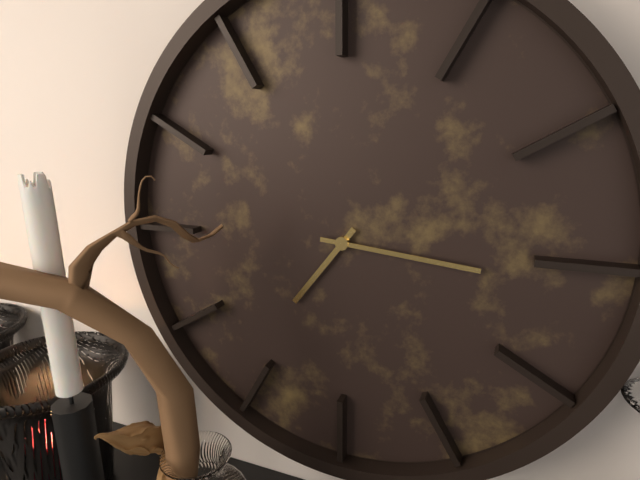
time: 7:16
